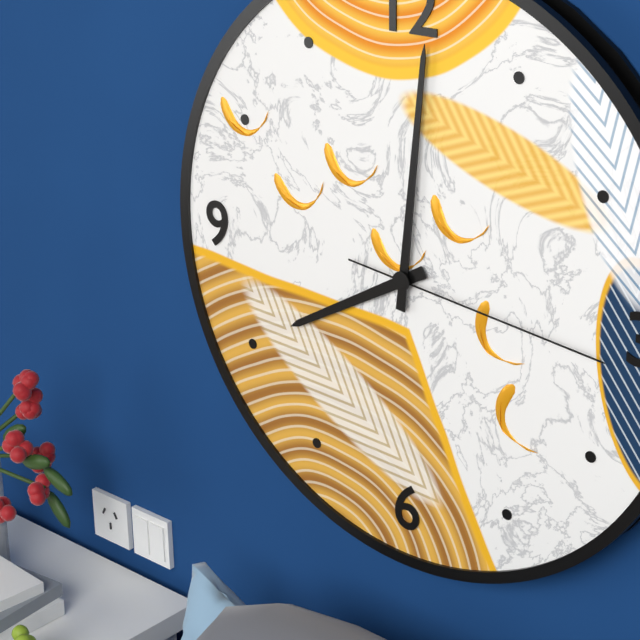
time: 8:01:16
